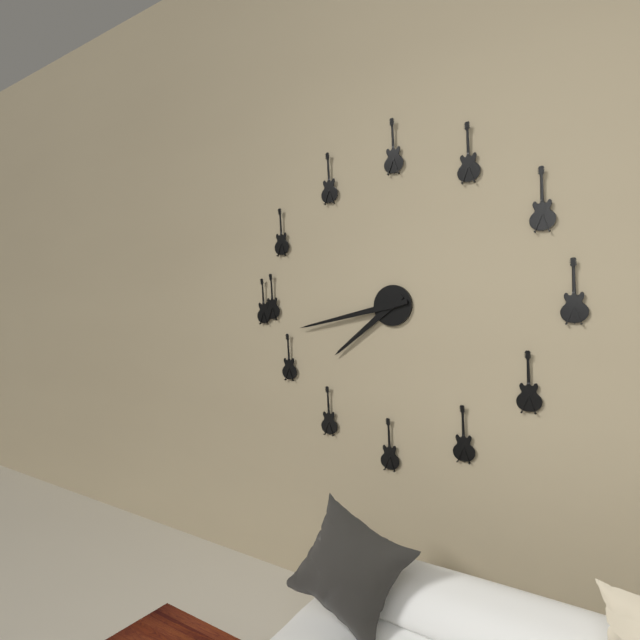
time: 7:43
